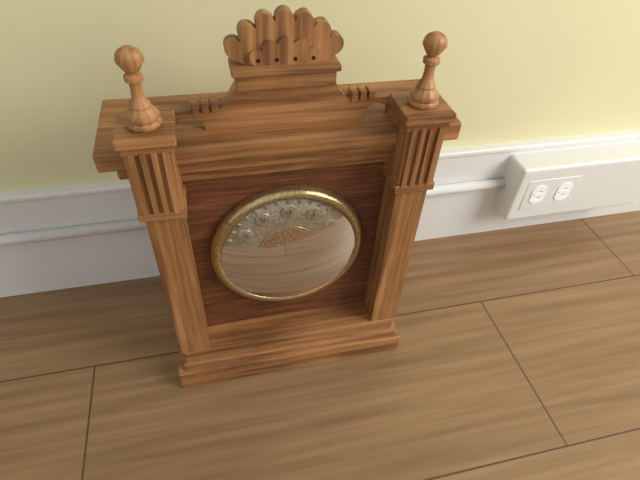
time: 8:19
